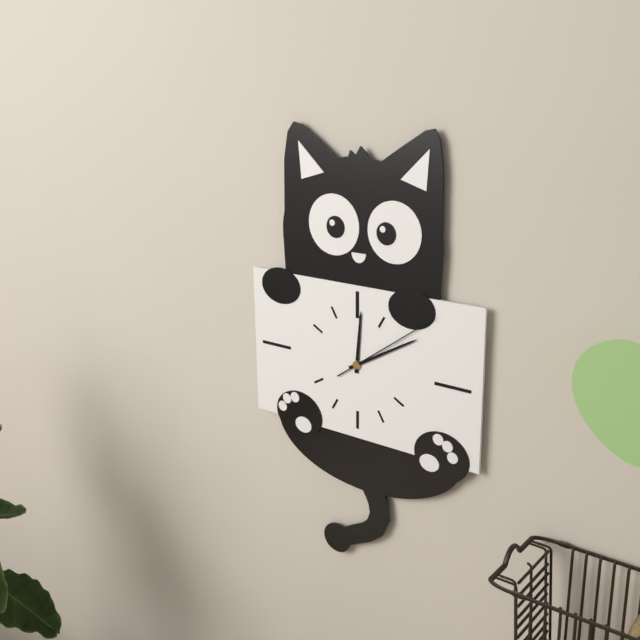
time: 12:10:09
